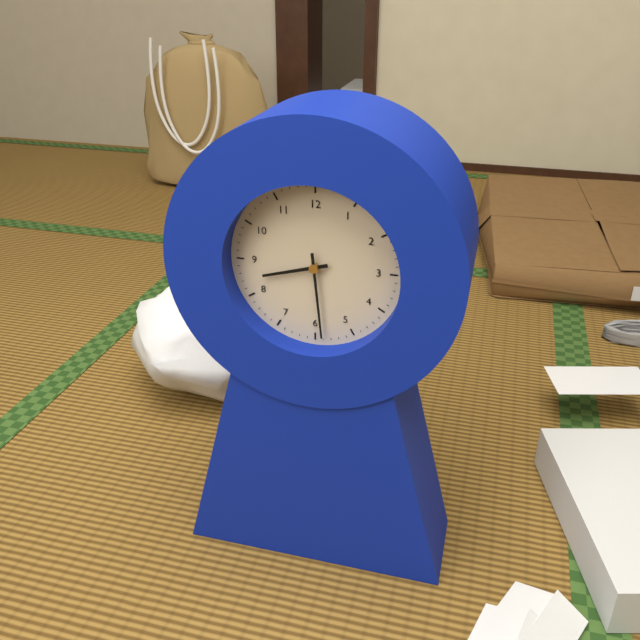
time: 8:29
